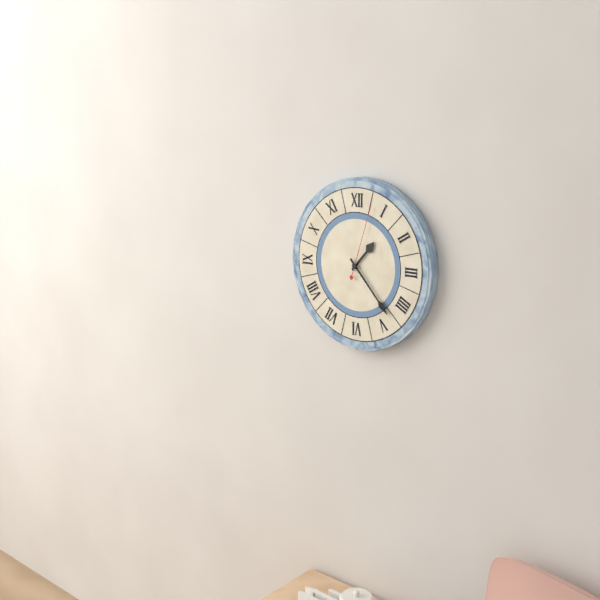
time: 1:23:03
